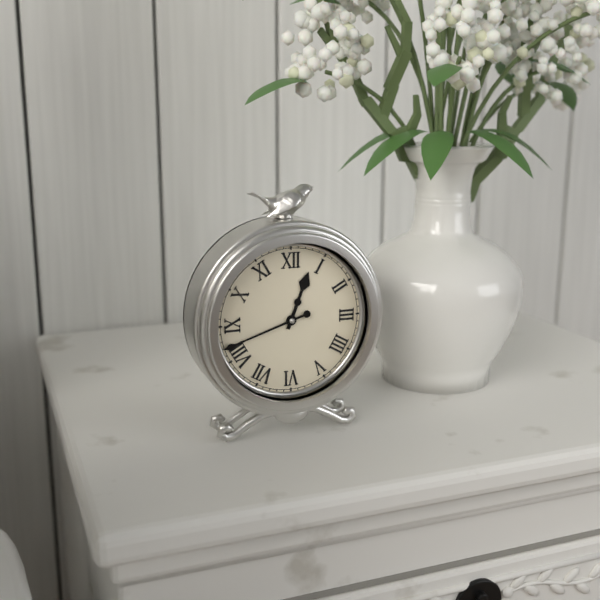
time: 12:42
